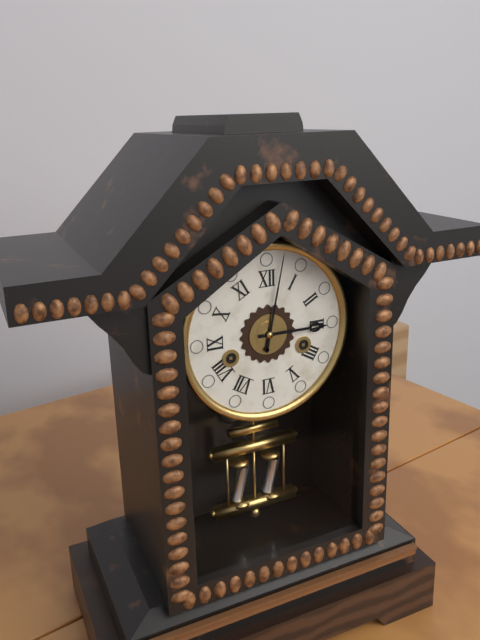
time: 3:02
